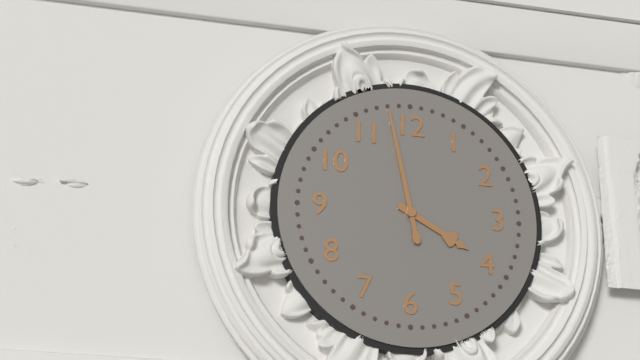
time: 3:58
